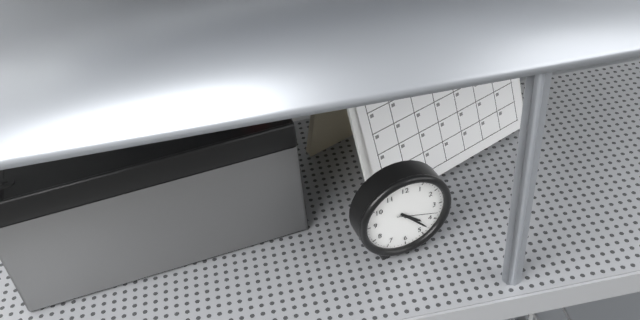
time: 4:23
